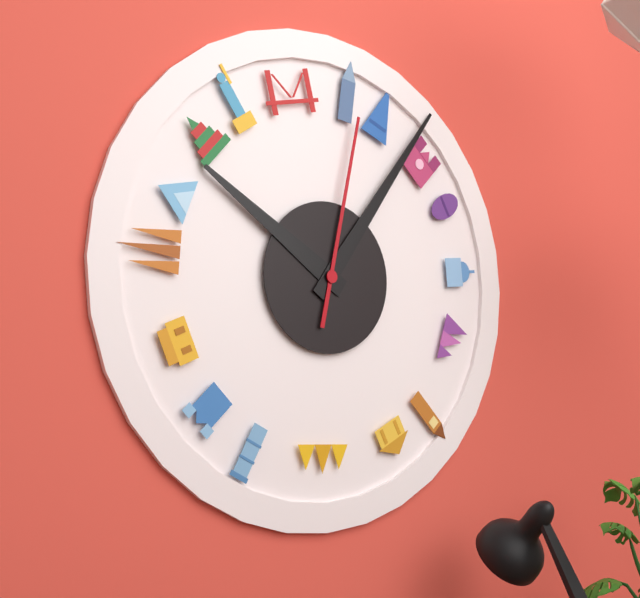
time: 10:06:02
